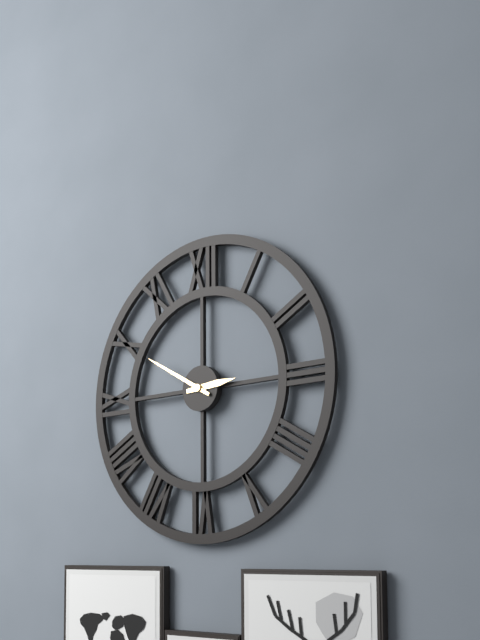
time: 2:50
